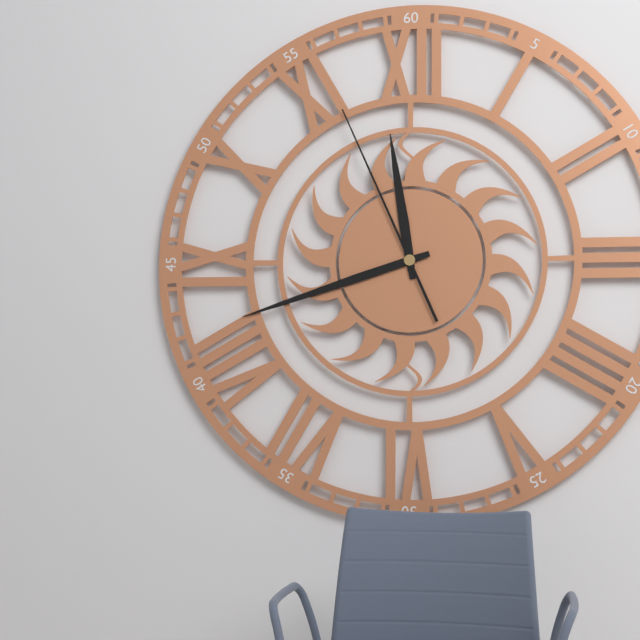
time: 11:42:56
